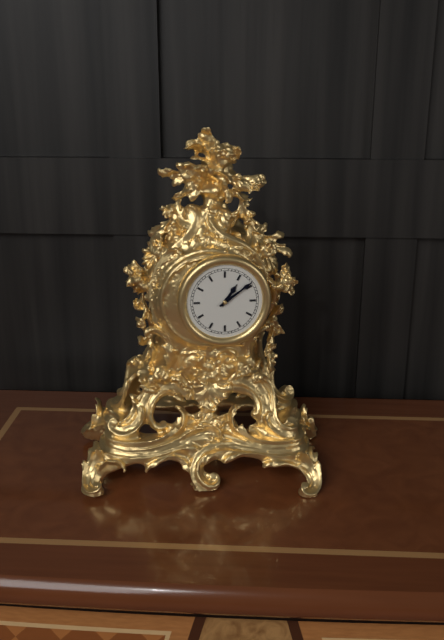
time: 1:09
